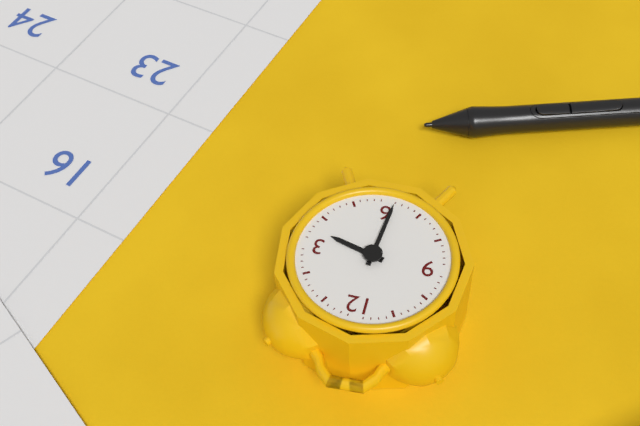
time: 3:31
